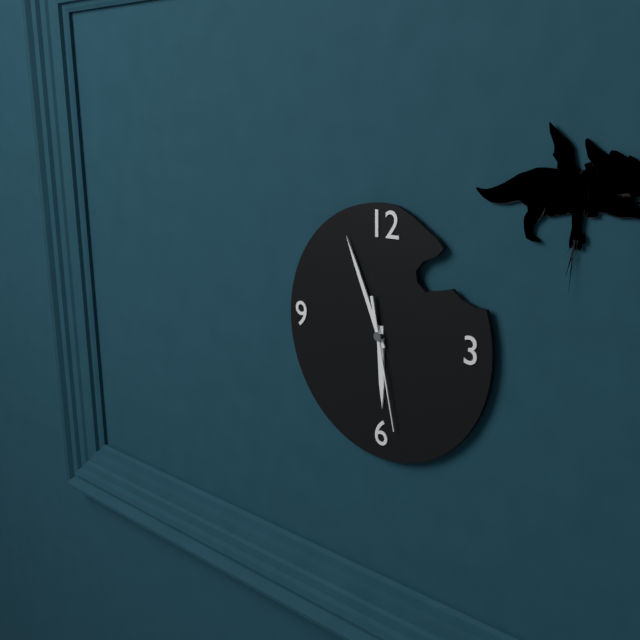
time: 5:56:28
